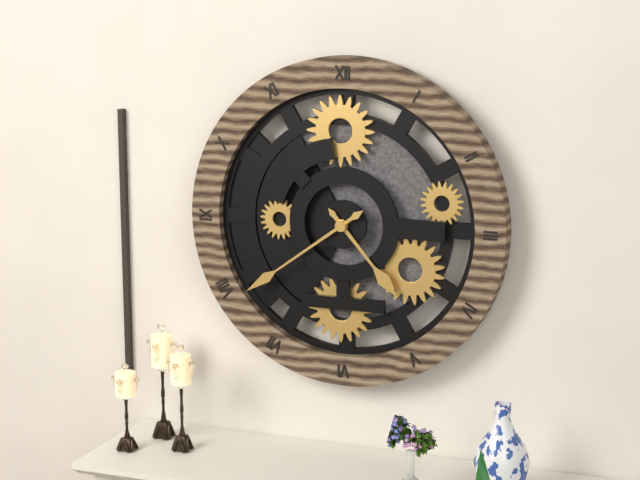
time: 4:39
